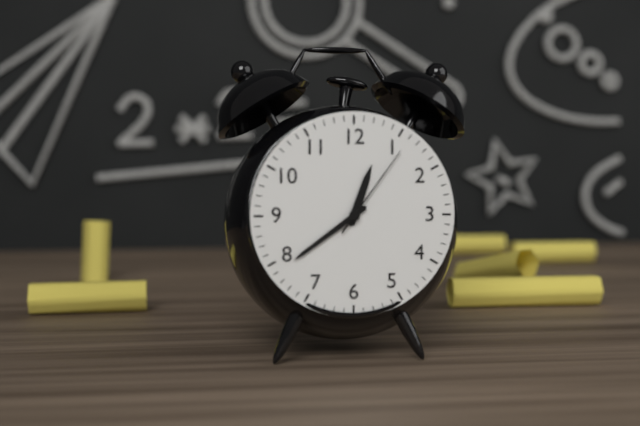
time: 12:39:06
